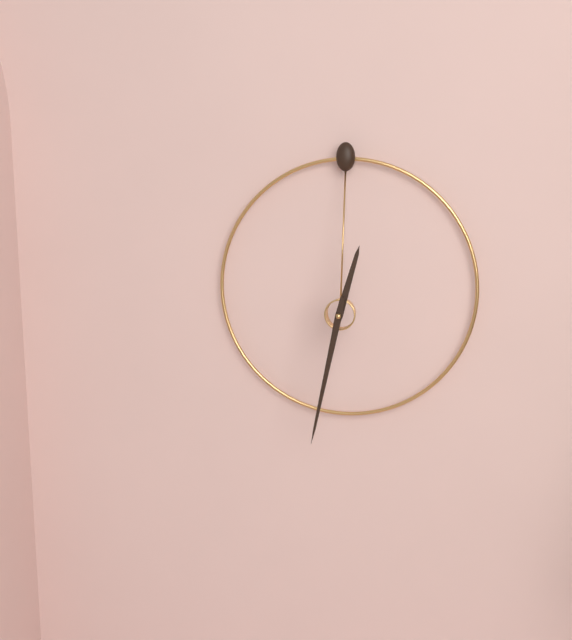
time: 12:32
